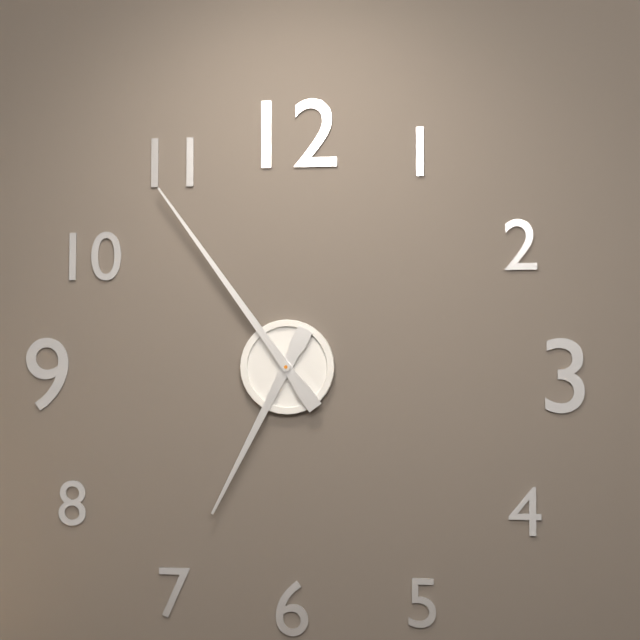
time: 6:54
